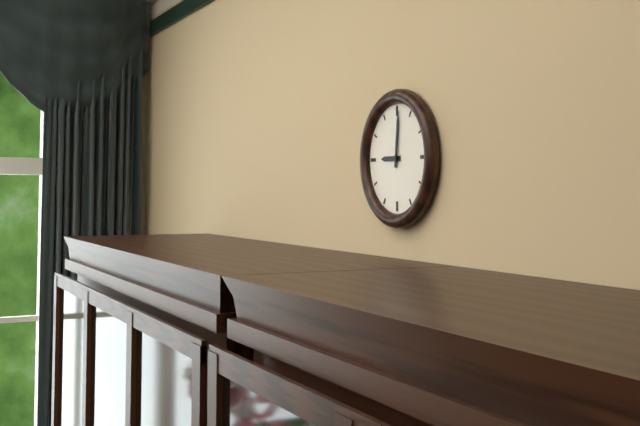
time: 9:01
